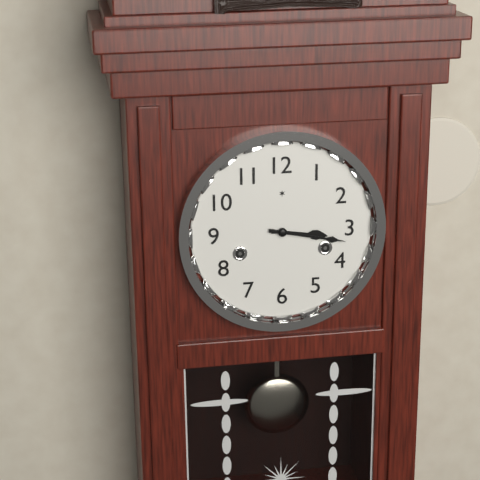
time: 3:17
